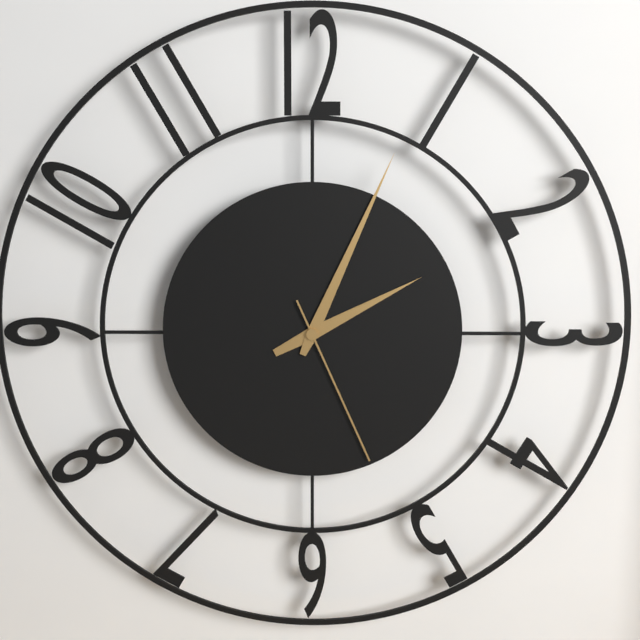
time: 2:04:26
